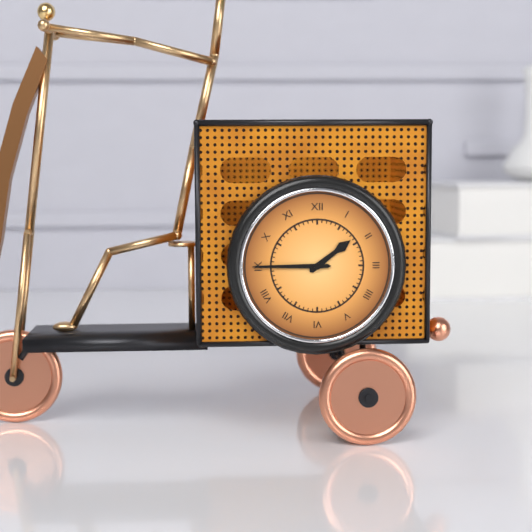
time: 1:45
